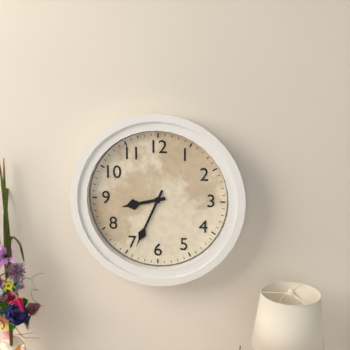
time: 8:34
